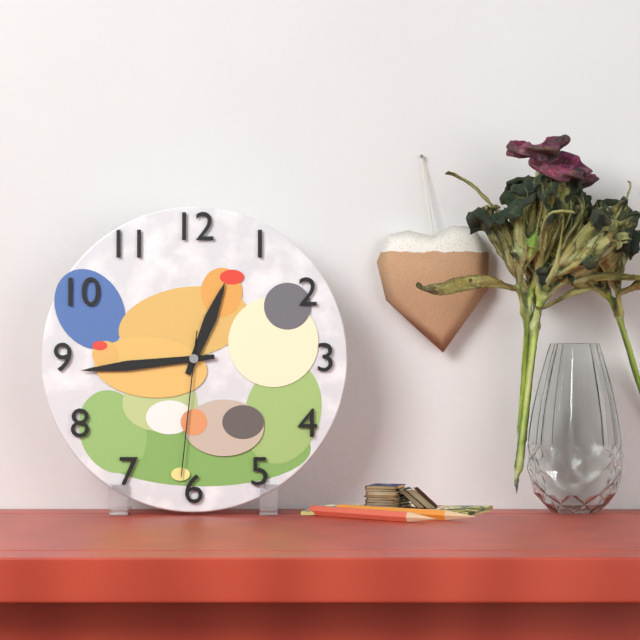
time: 12:44:31
